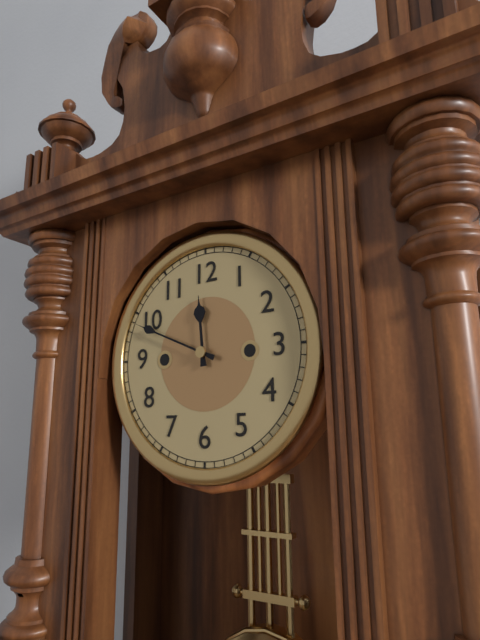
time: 11:49
